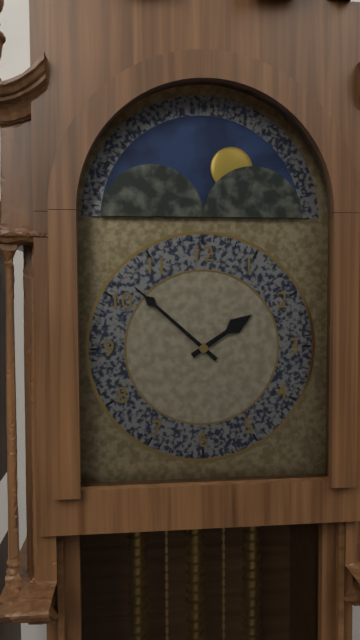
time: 1:52
